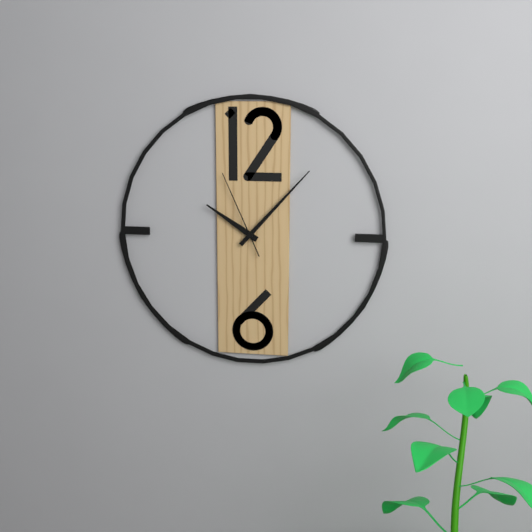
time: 10:07:56
